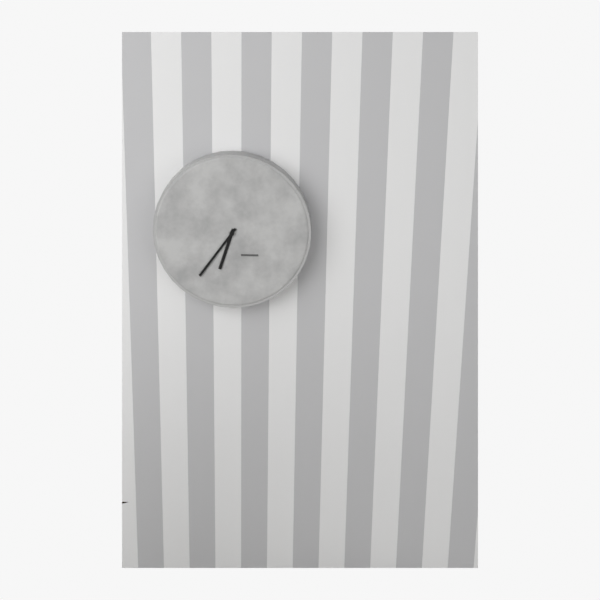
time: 6:36
